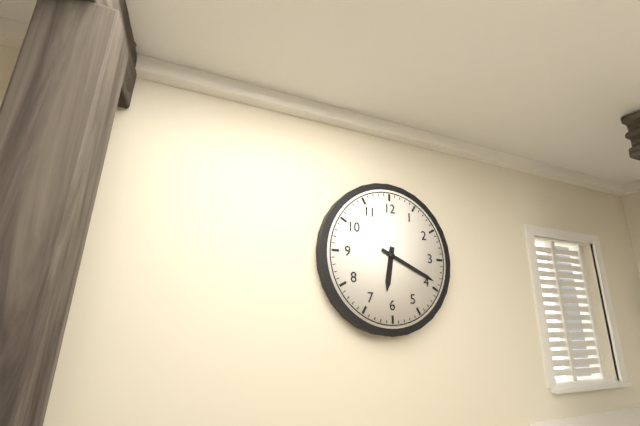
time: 6:19
